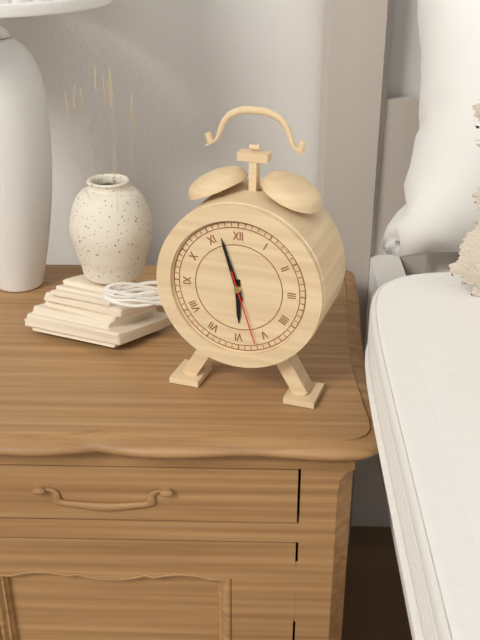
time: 5:57:27
